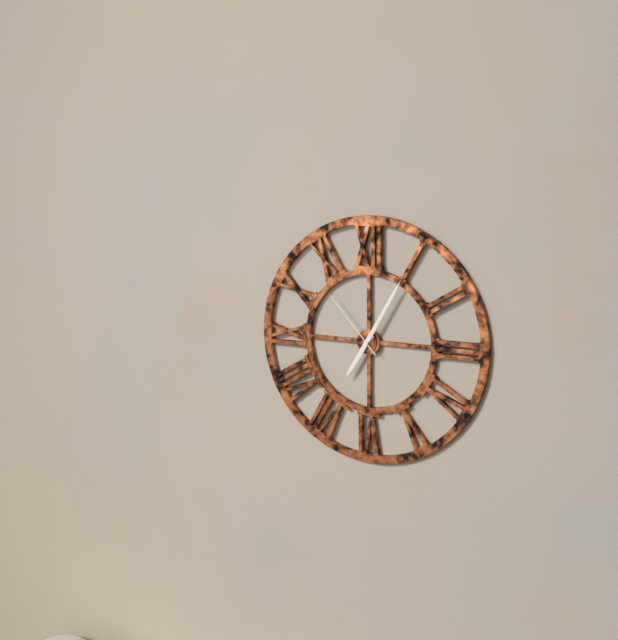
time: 7:05:53
